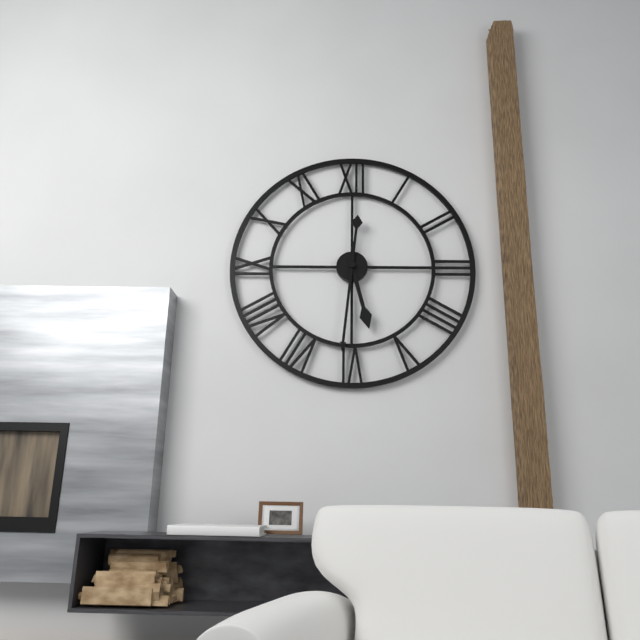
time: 5:31
